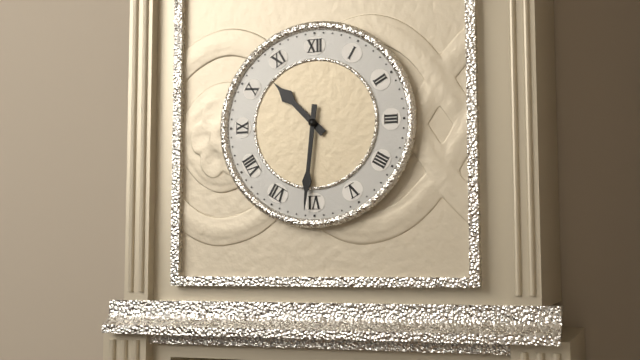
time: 10:31
